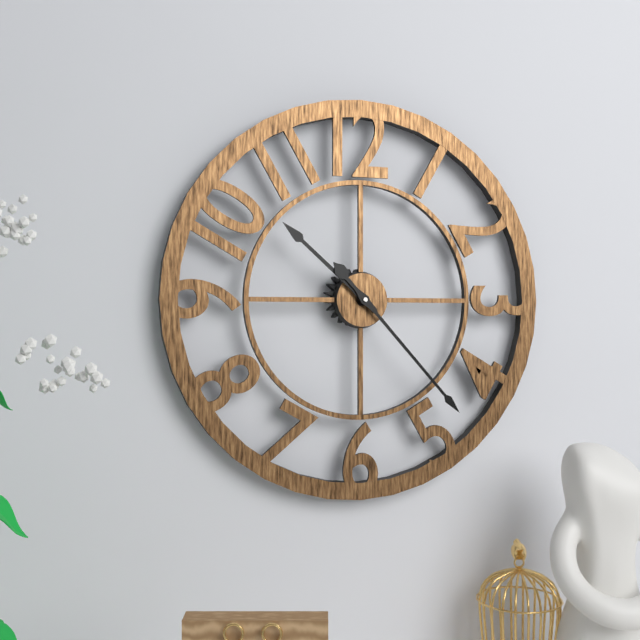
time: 10:23
